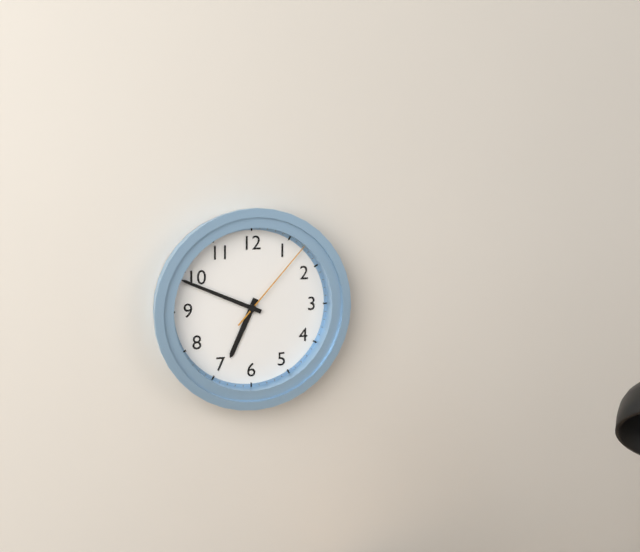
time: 6:49:07
